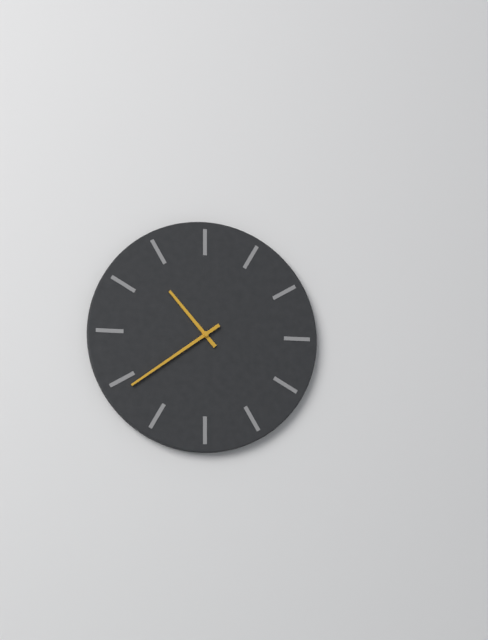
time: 10:39
